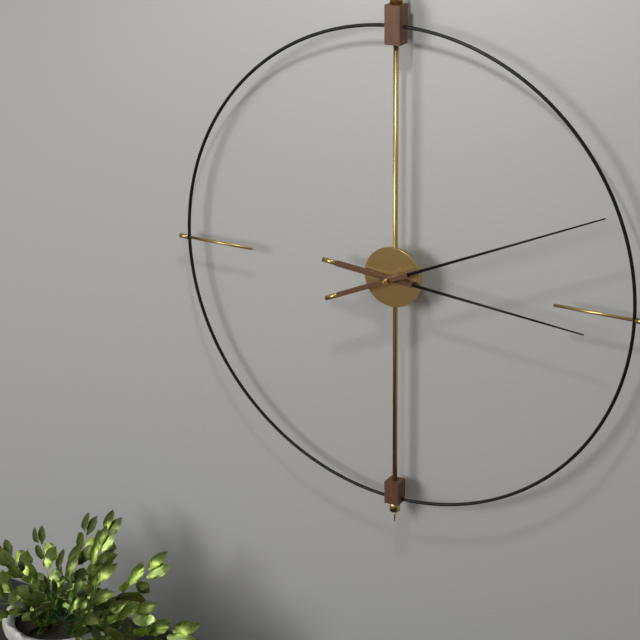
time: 3:11
